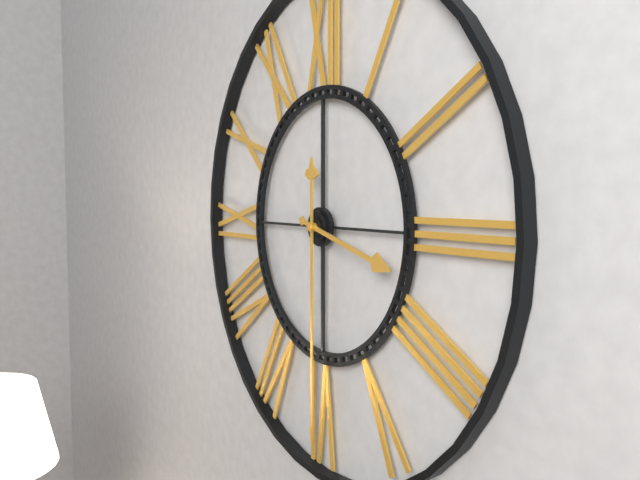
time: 3:30
